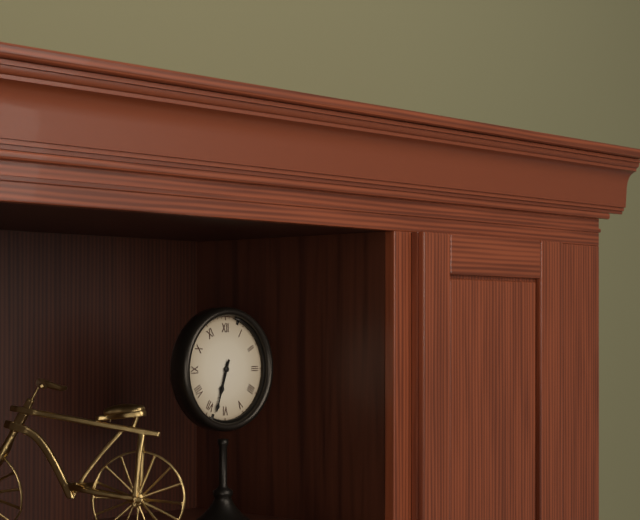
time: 6:33
